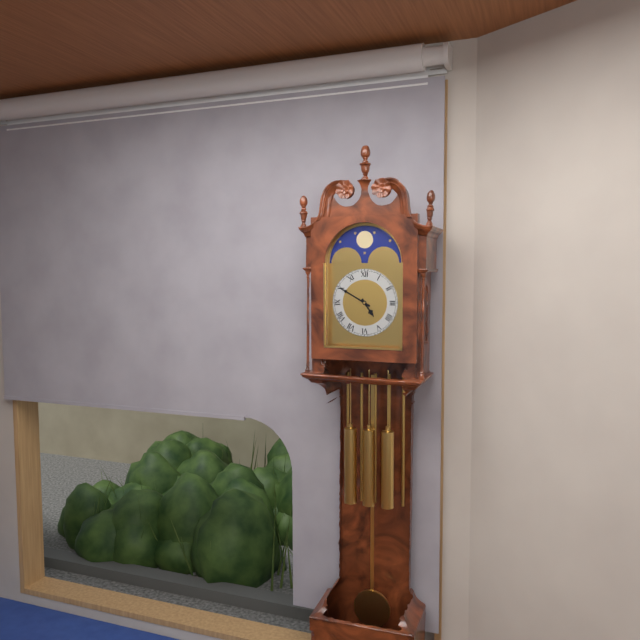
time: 4:50
